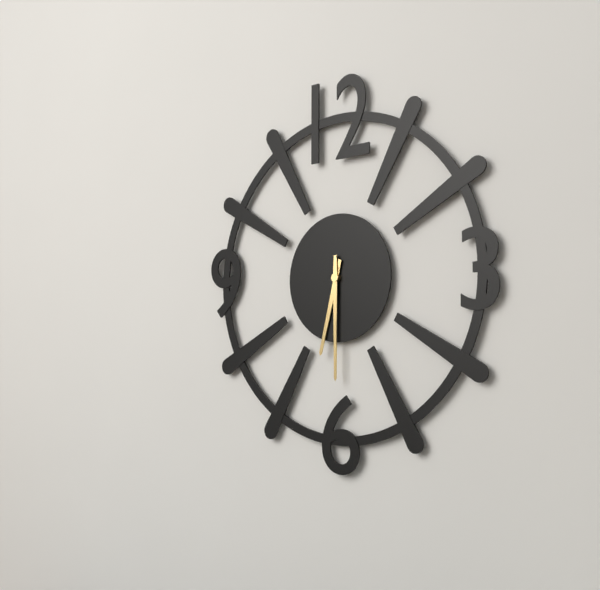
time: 6:30
